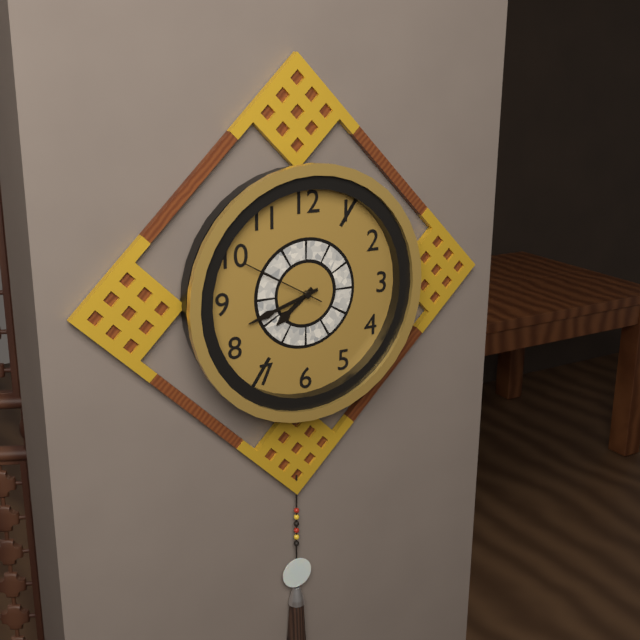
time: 7:42:50
